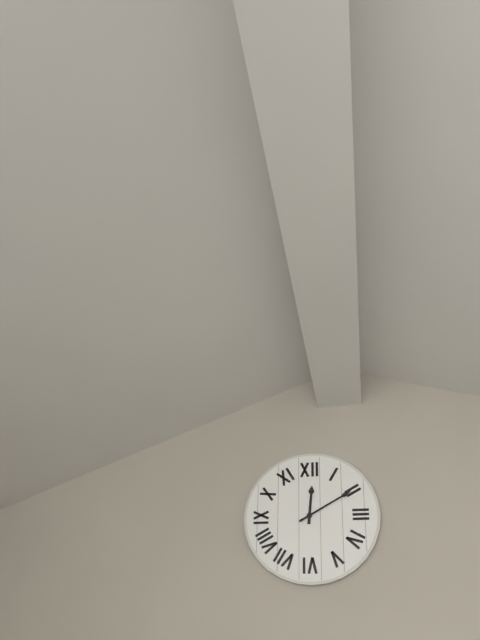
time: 12:10
